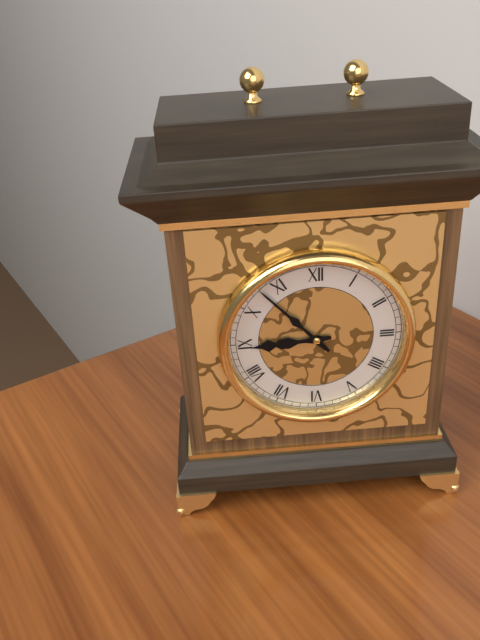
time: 8:53
